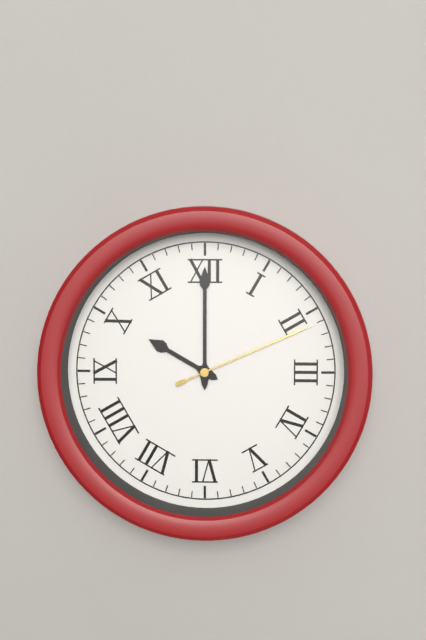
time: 10:00:11
